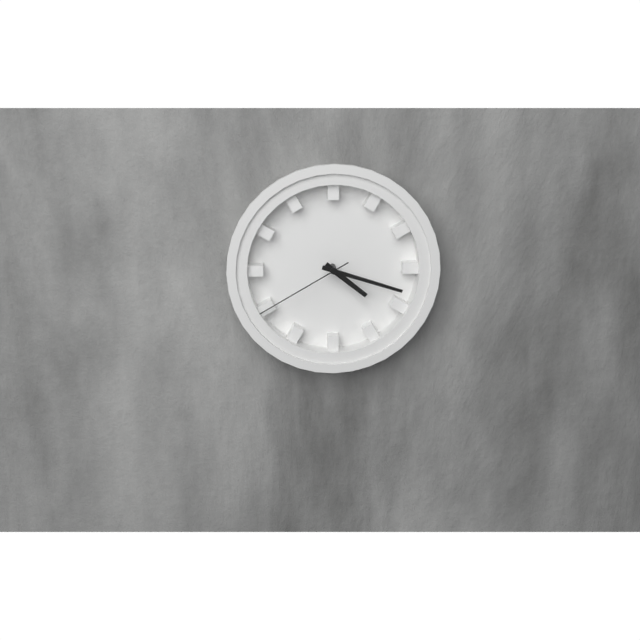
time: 4:18:40
